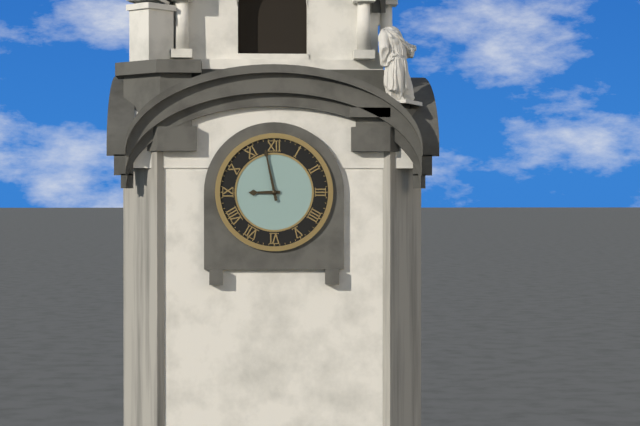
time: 8:58
